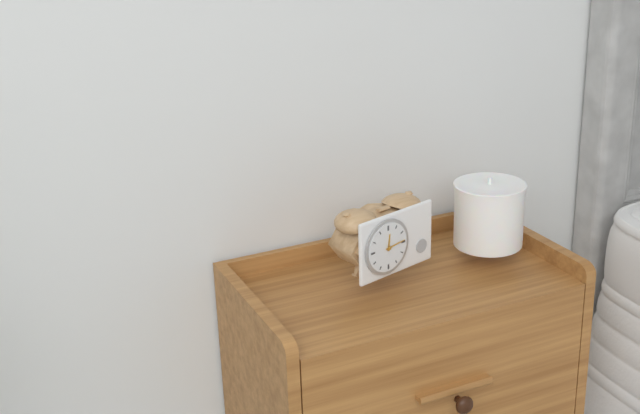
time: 12:14
